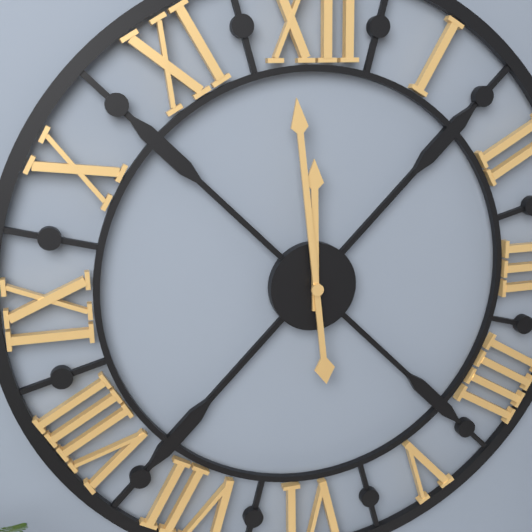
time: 11:59
